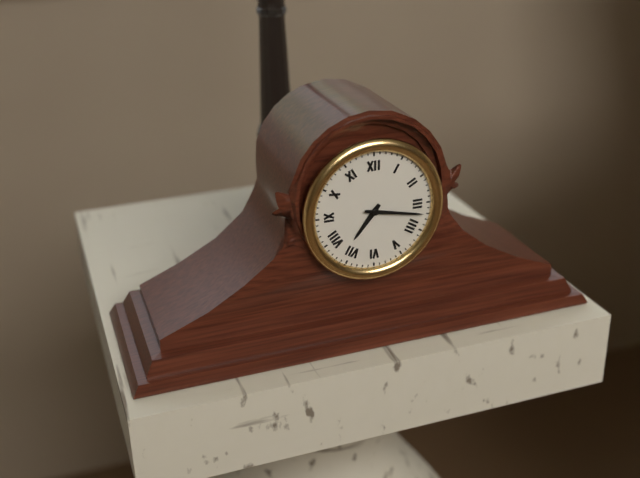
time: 7:17
